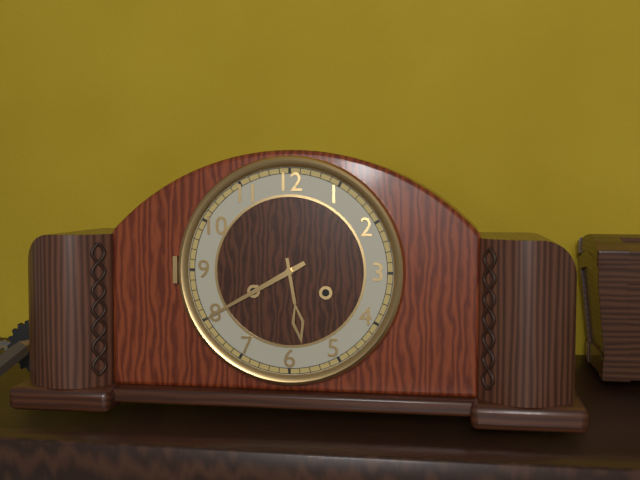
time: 5:40
